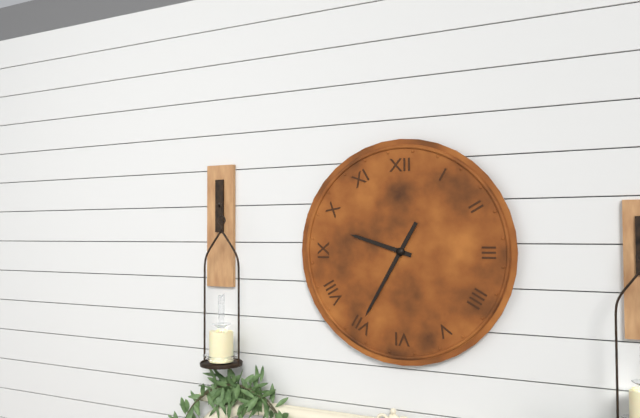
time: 9:35
